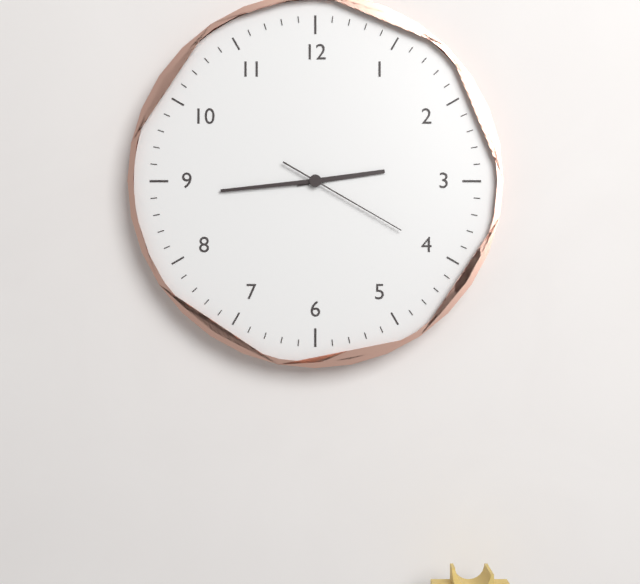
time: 2:44:20
